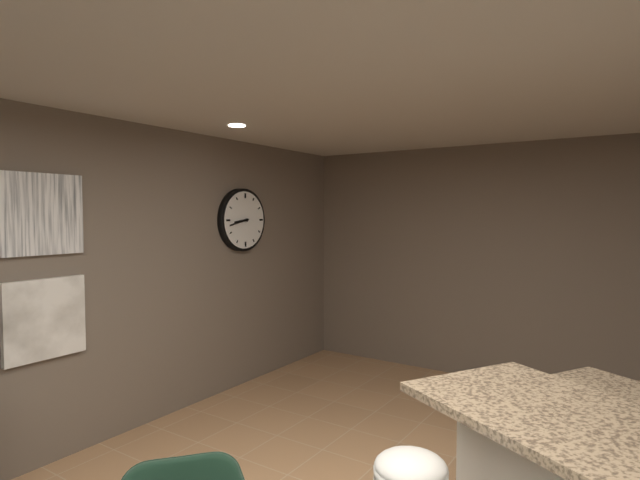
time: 8:43
